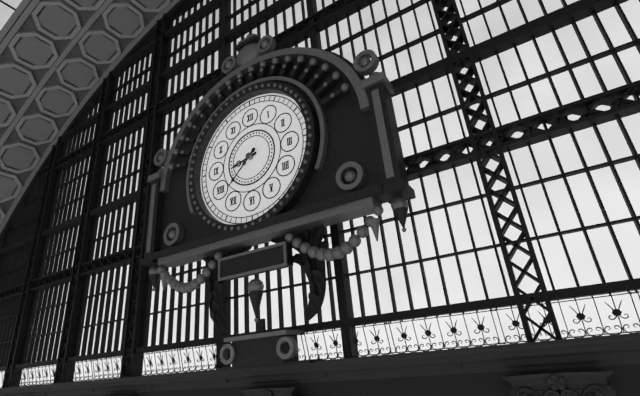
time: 8:38
